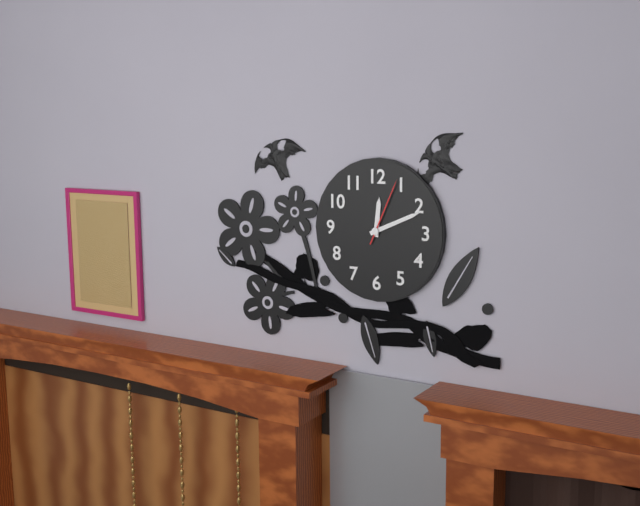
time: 12:11:04
